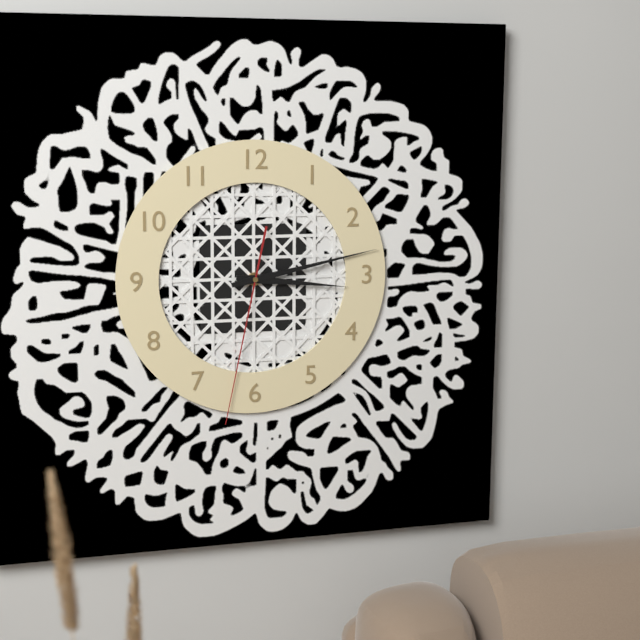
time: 3:13:32
